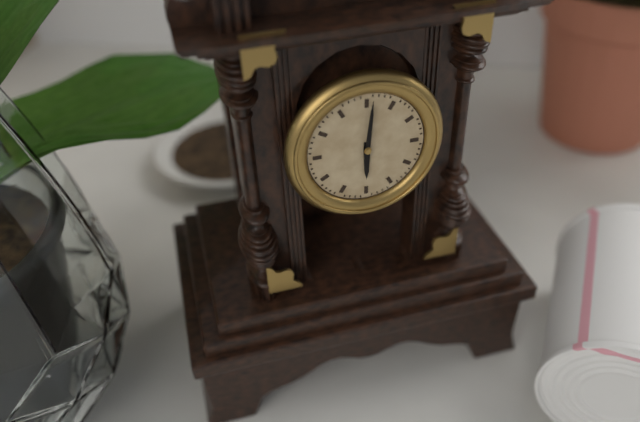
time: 6:01
